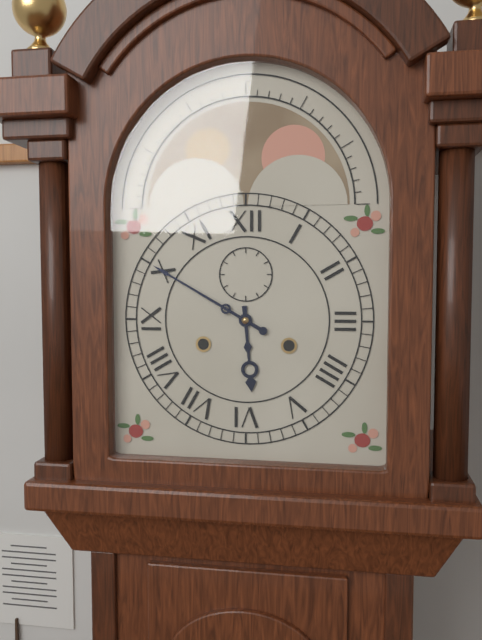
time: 5:50
